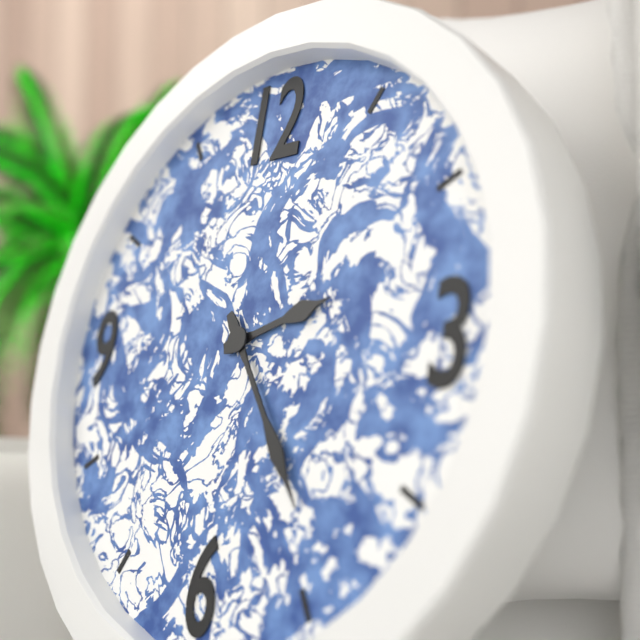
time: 2:24
